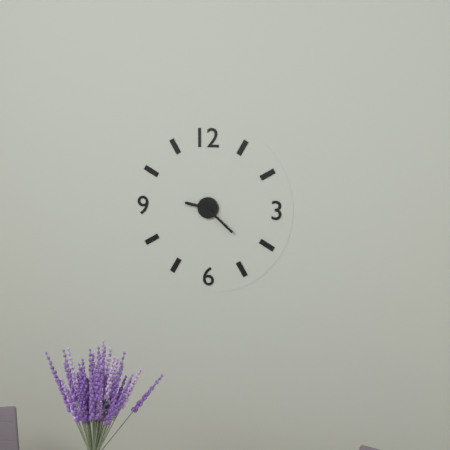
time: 9:22
